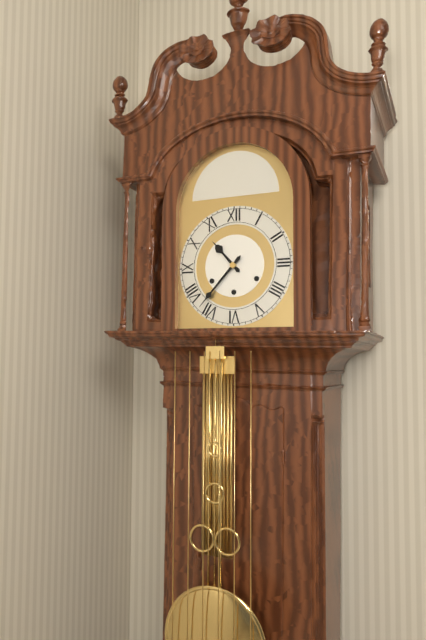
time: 10:37
